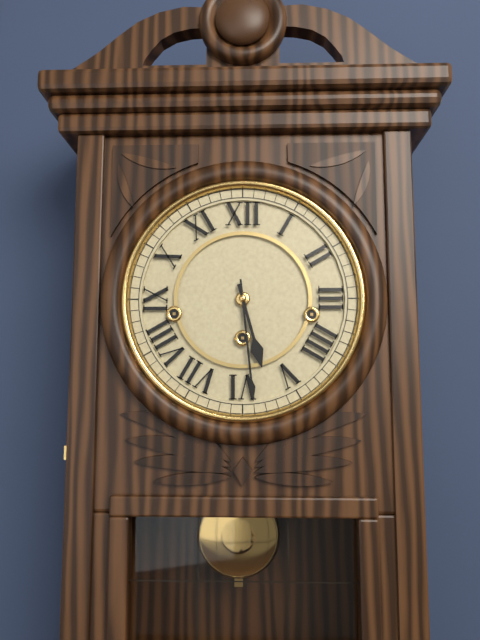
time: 5:29
